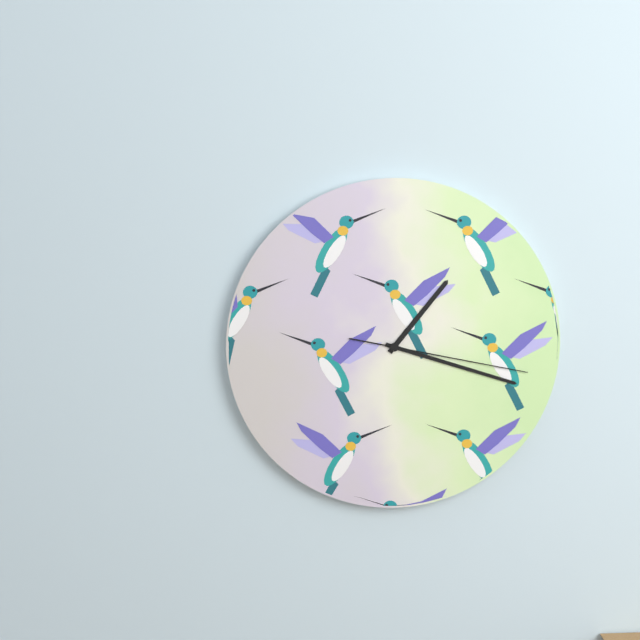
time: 1:18:17
